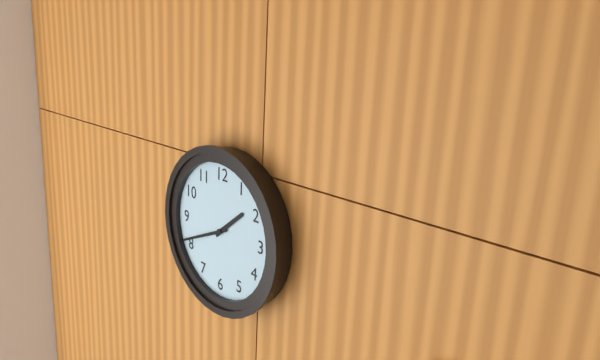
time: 1:41
